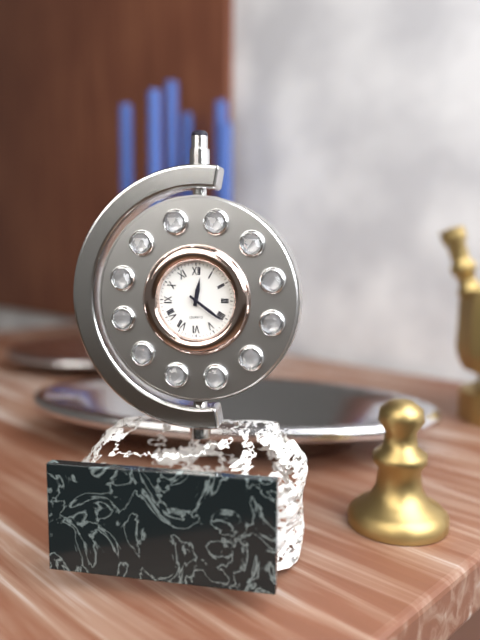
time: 12:21
